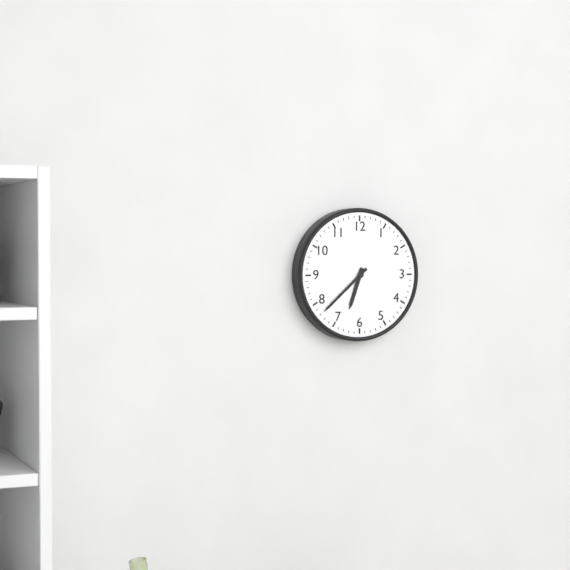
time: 6:38
